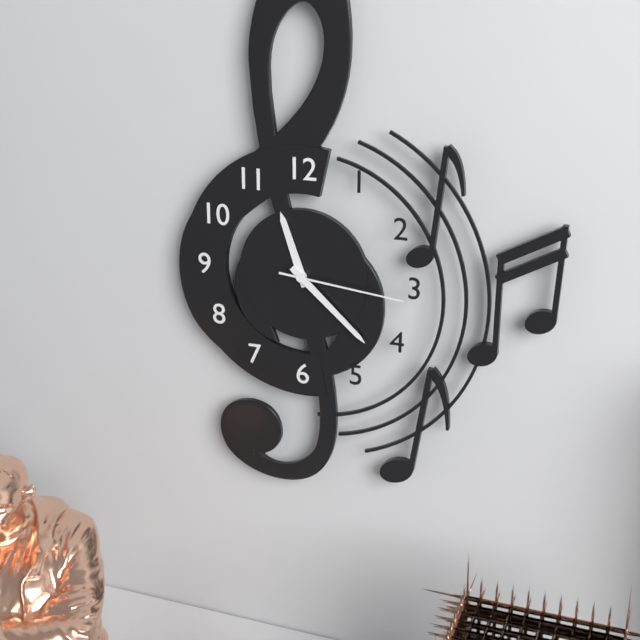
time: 11:22:16
